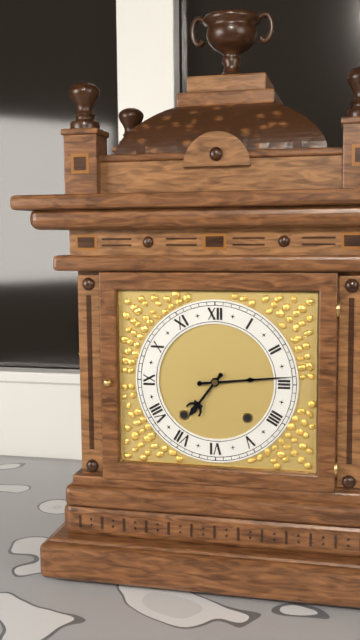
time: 7:14
